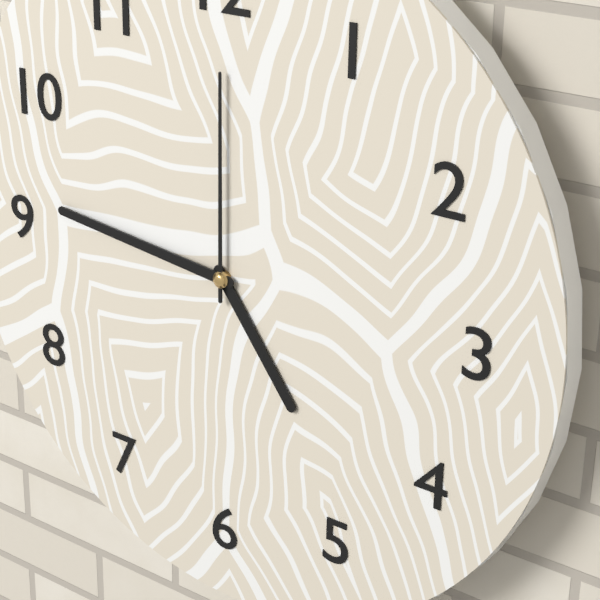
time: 4:46:00
